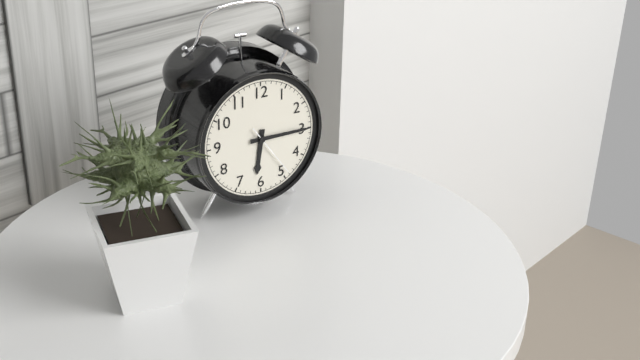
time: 6:15:24
